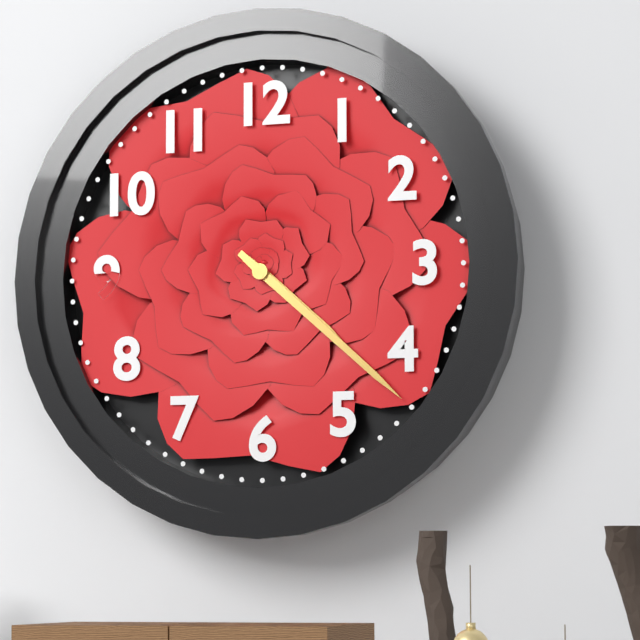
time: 4:22
